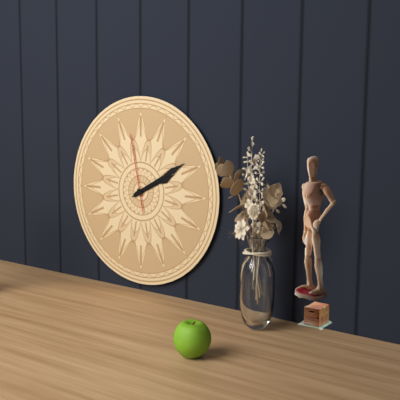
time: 2:10:58
